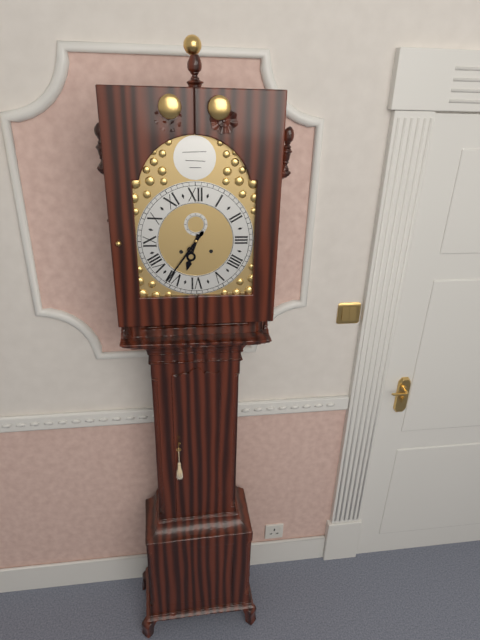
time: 6:36
